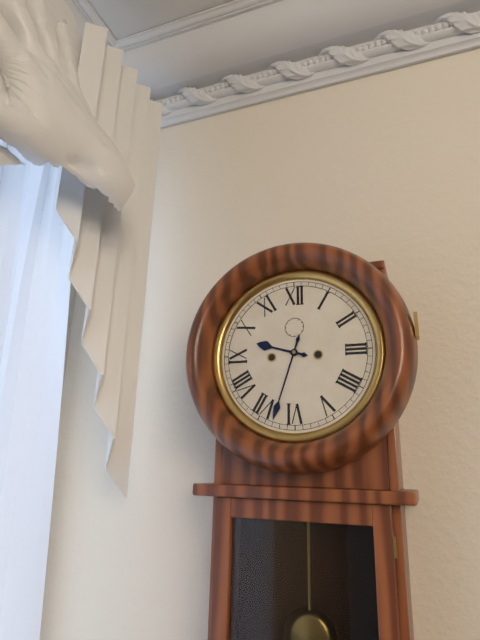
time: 9:33
